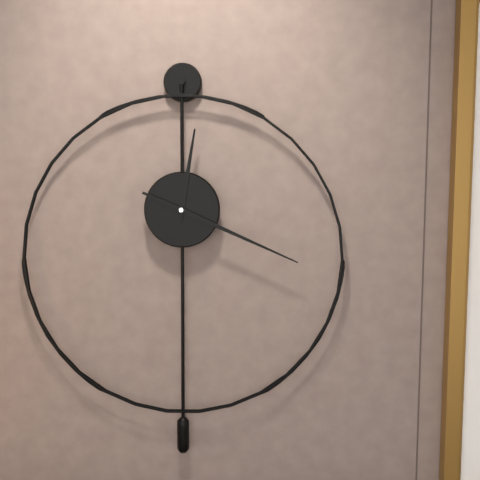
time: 12:19
